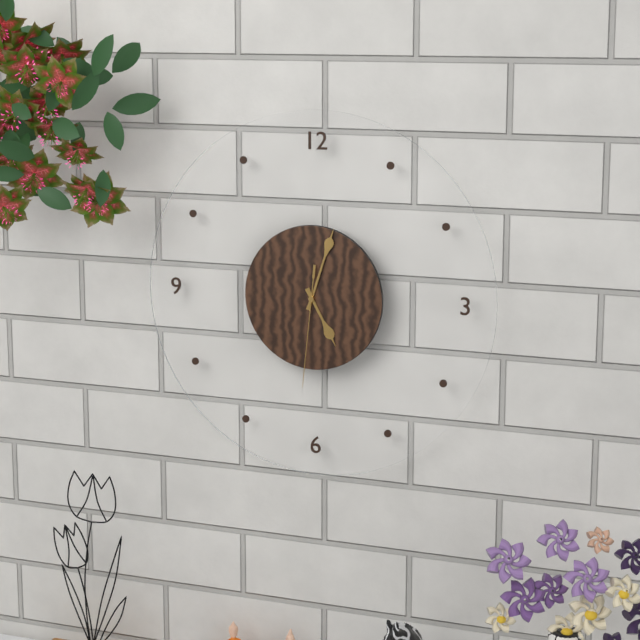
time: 5:03:31
